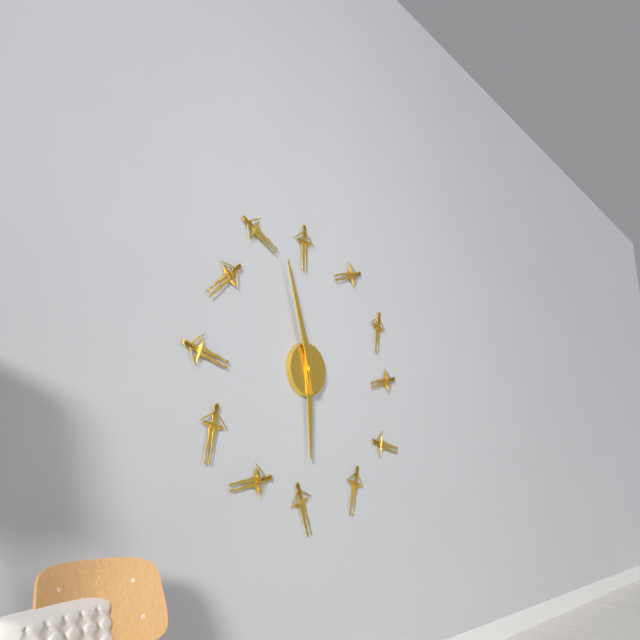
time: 5:57
